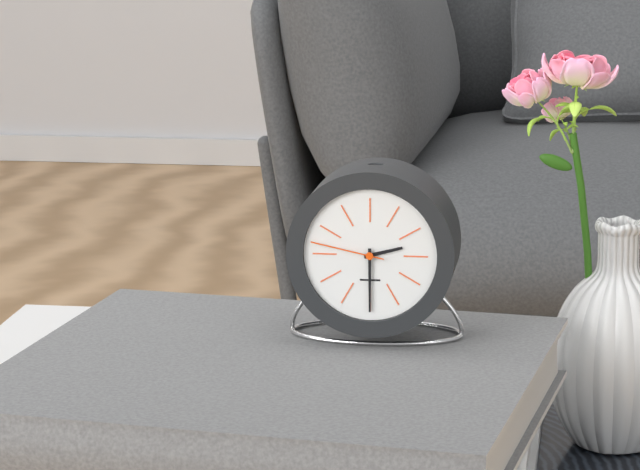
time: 2:30:47
